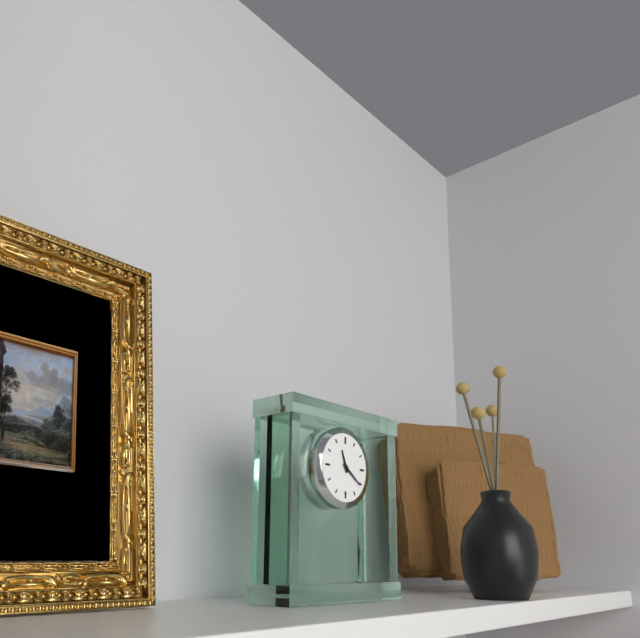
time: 11:21
